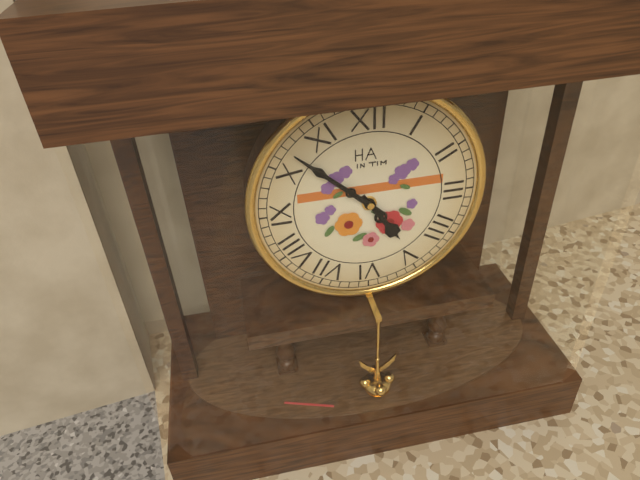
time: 4:52
